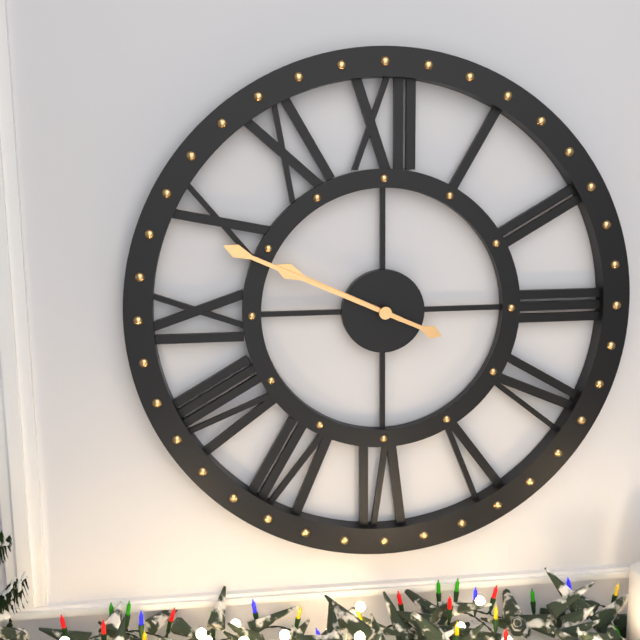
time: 9:49
